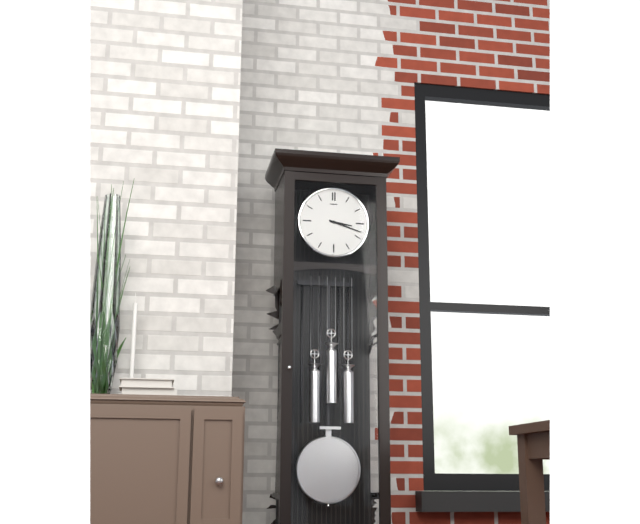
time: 3:18
